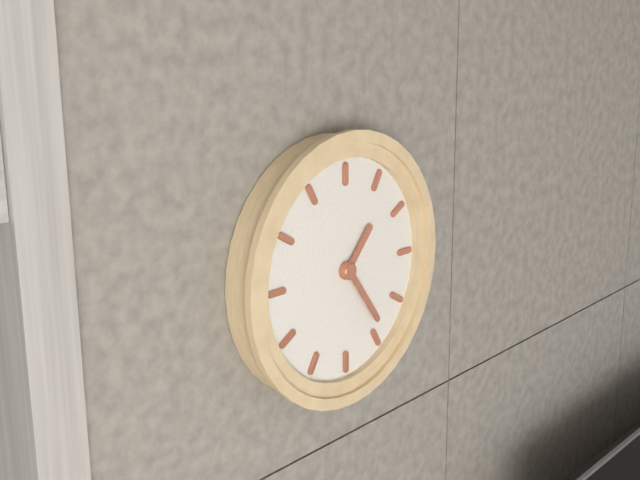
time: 1:24
